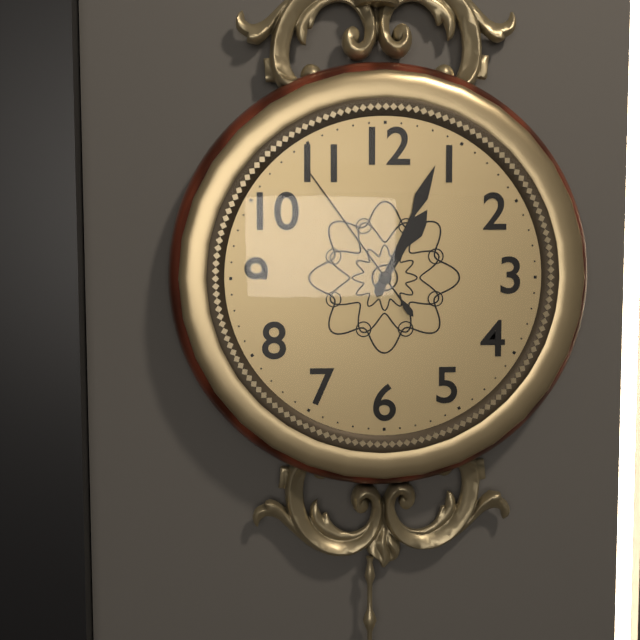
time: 1:04:54
